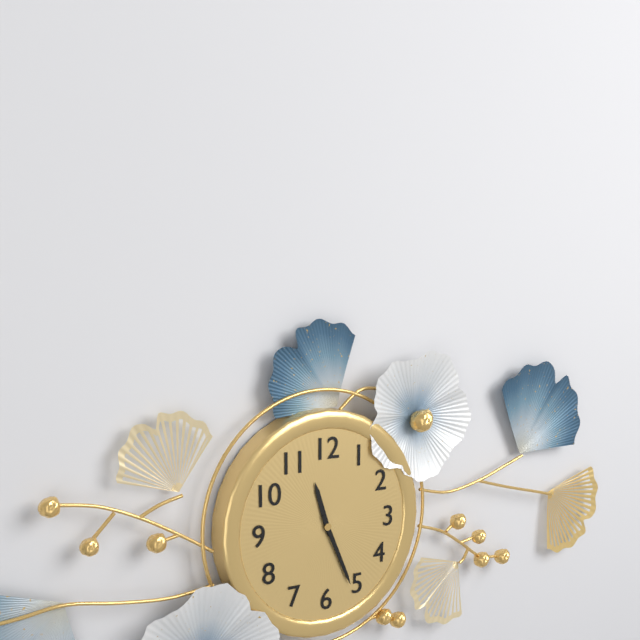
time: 11:26
